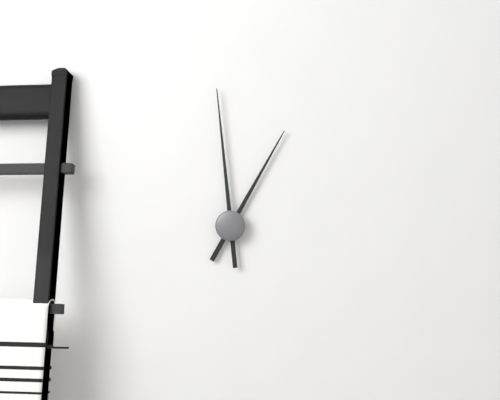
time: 12:59
